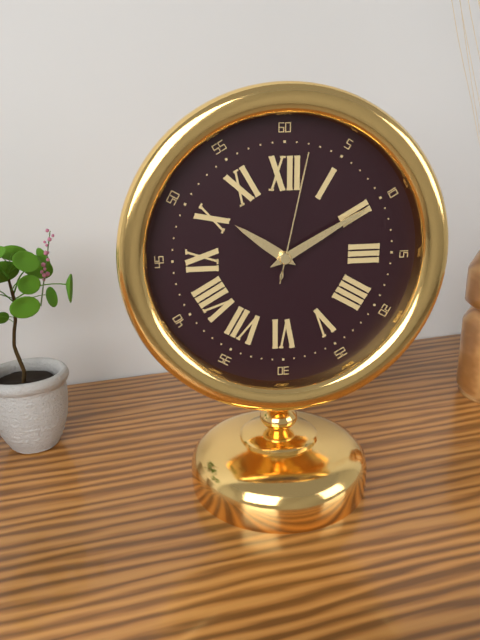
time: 10:10:02
